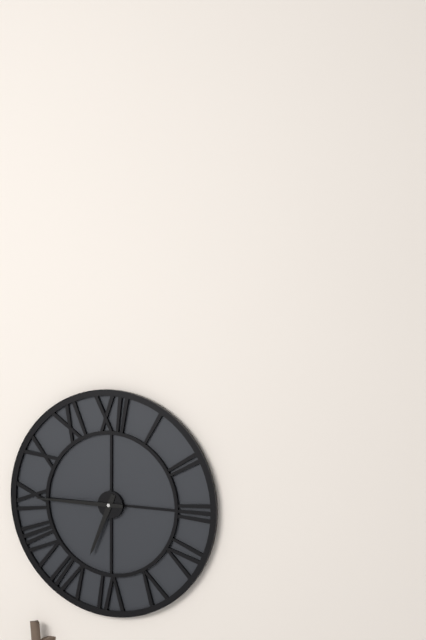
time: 6:45
